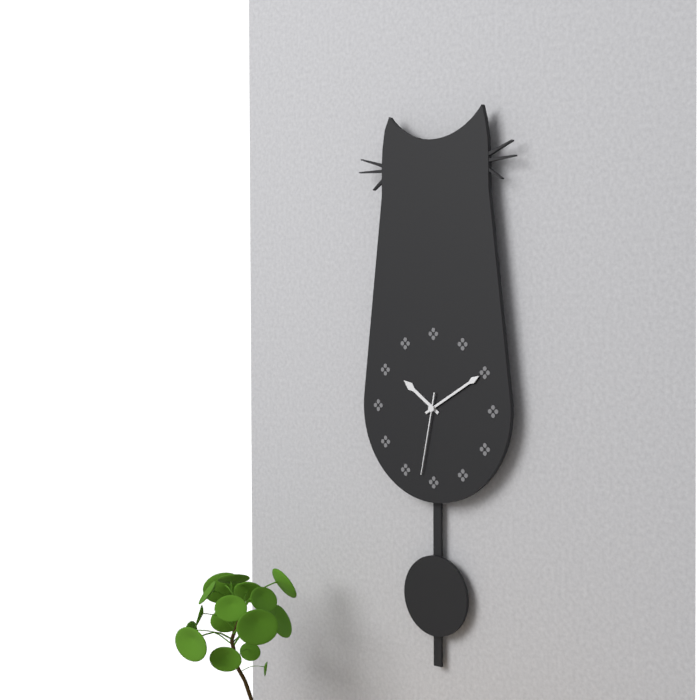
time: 10:10:32
